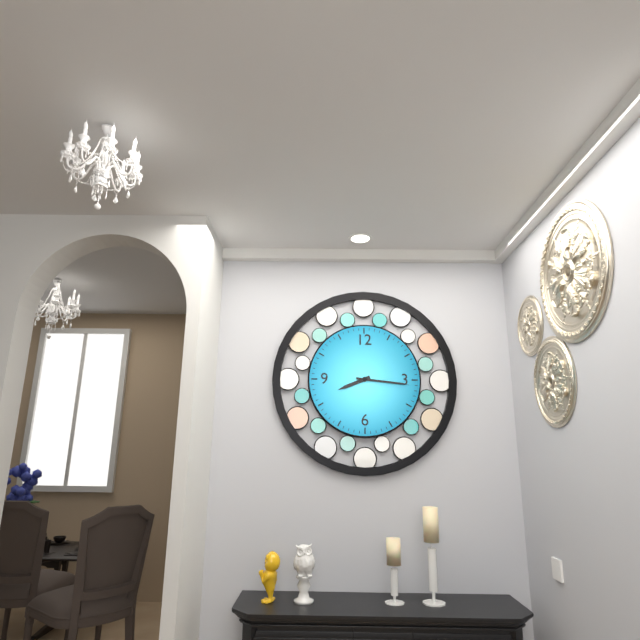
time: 8:16
